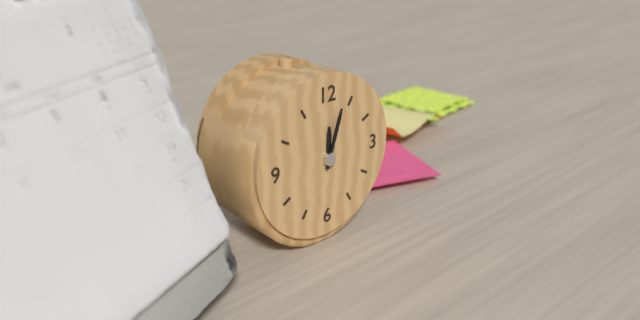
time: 12:03
